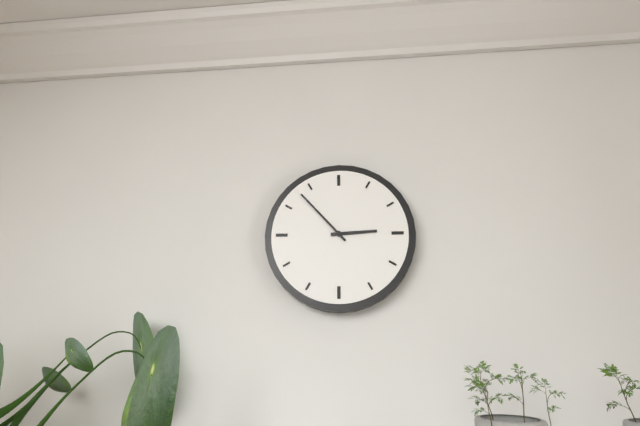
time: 2:53
